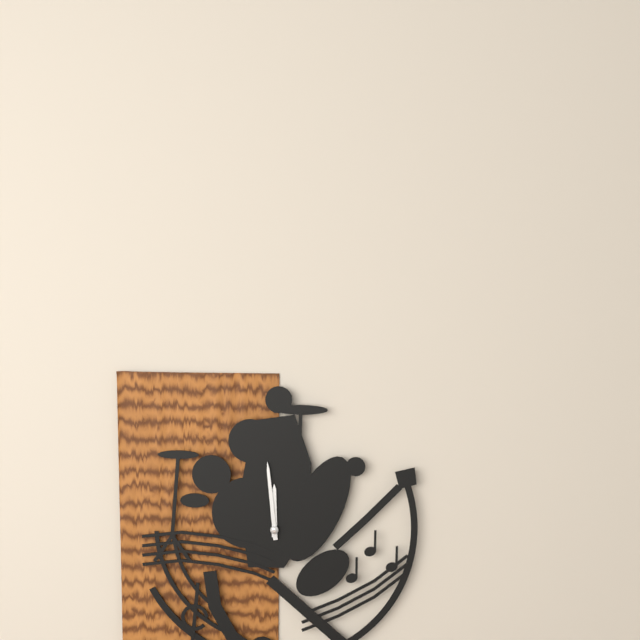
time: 11:59
